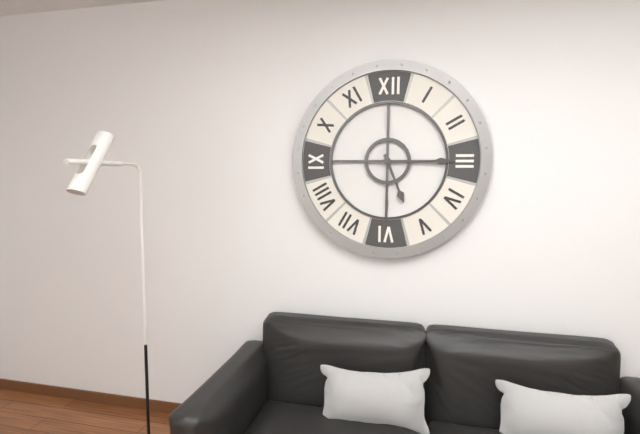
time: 5:15
